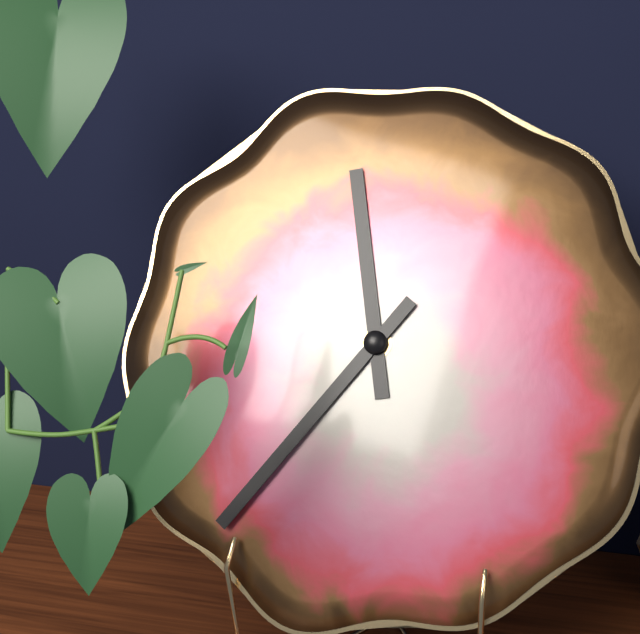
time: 11:36
